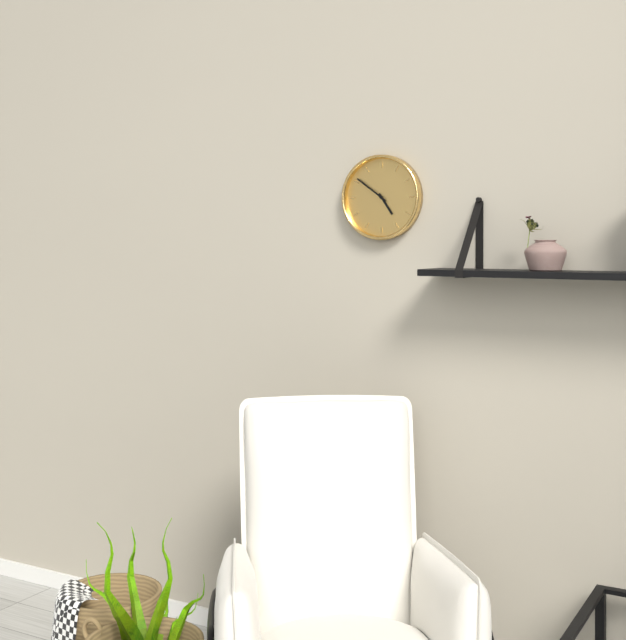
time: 4:51
